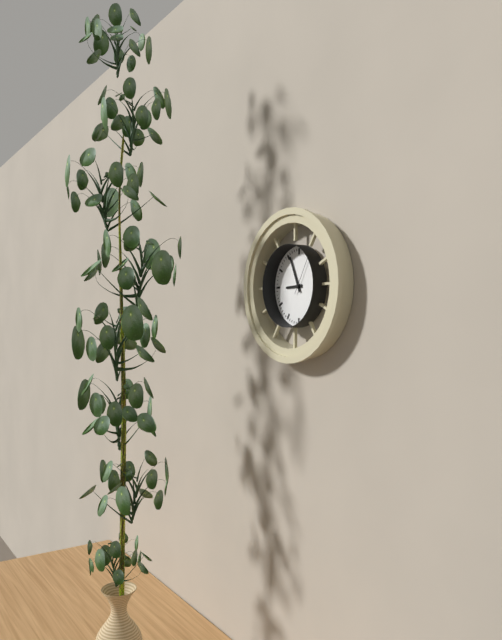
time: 8:56
